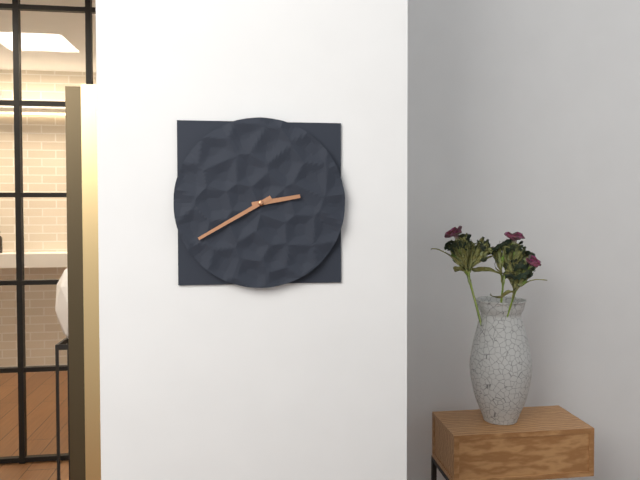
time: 2:40
